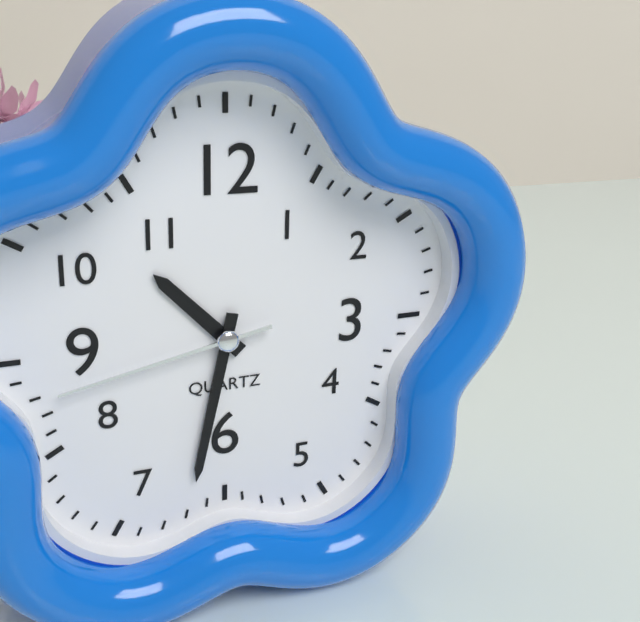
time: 10:32:43
